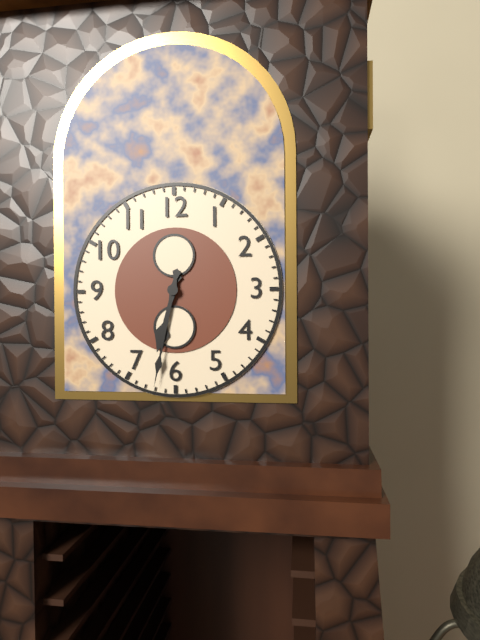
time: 6:32
